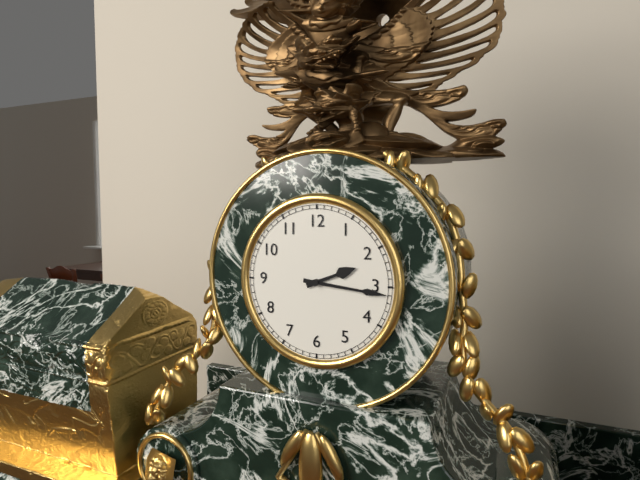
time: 2:16
